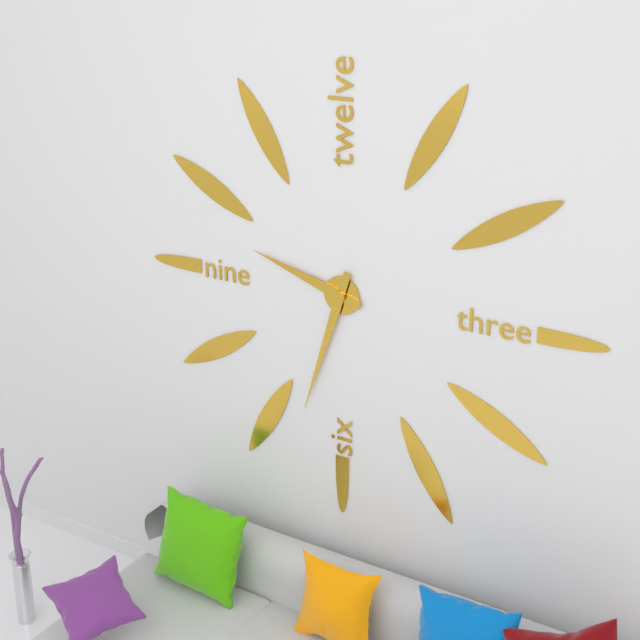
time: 9:33
